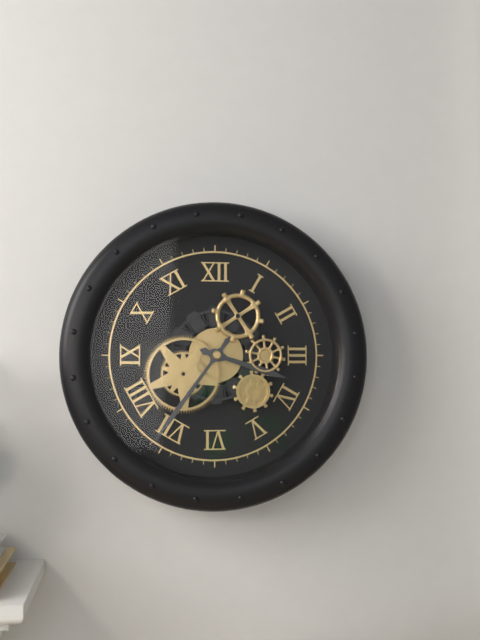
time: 3:36
